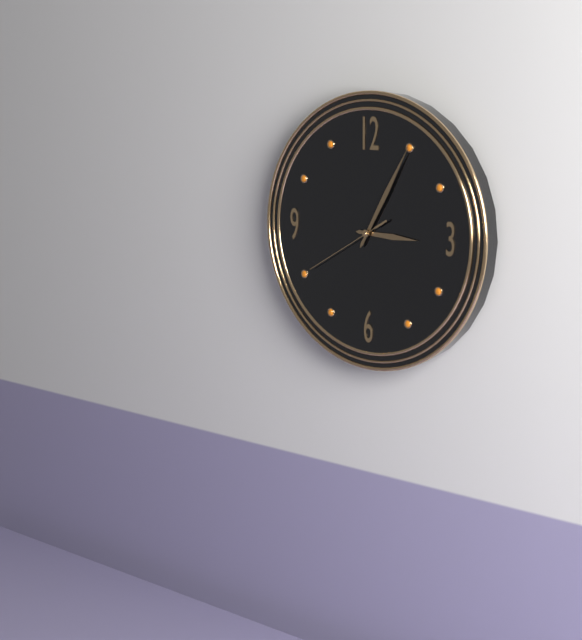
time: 3:05:40
